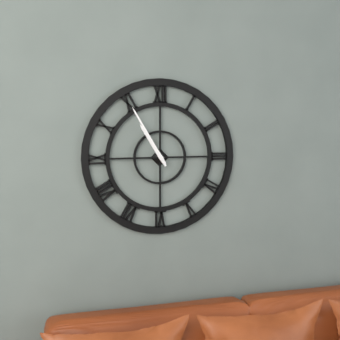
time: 10:55
